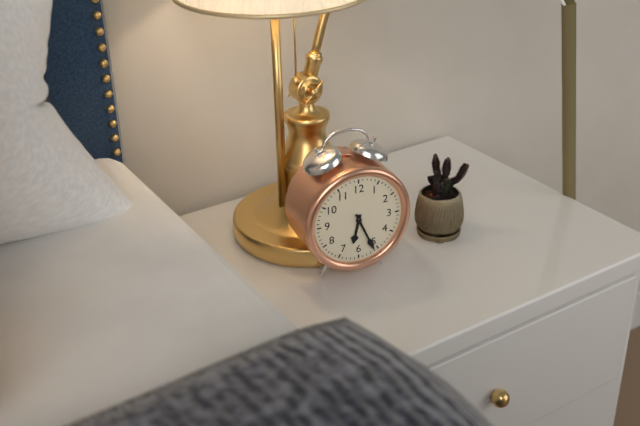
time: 6:26
